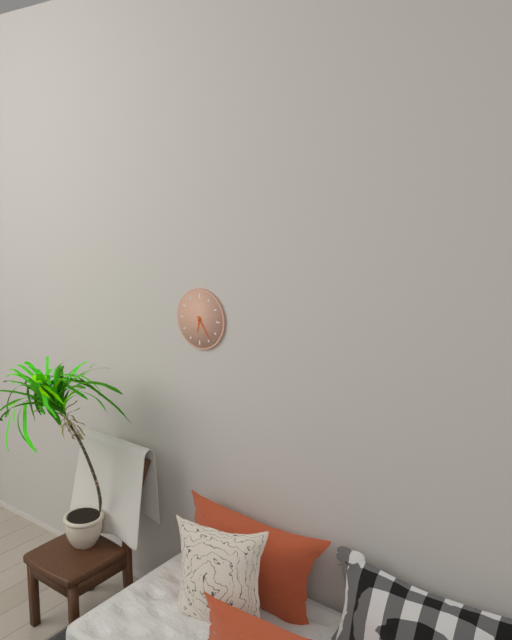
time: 6:24
